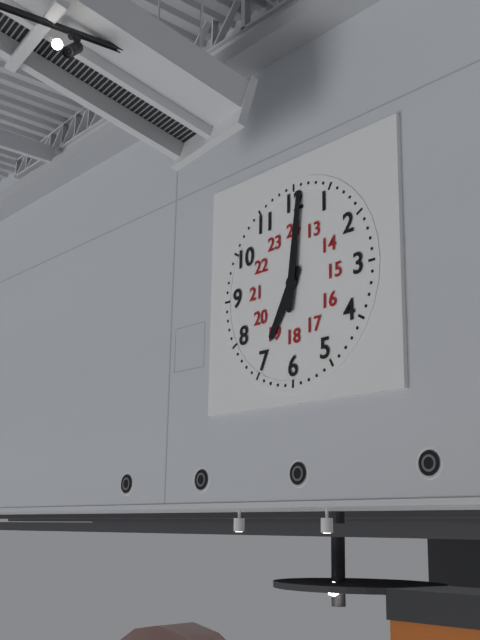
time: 7:01
